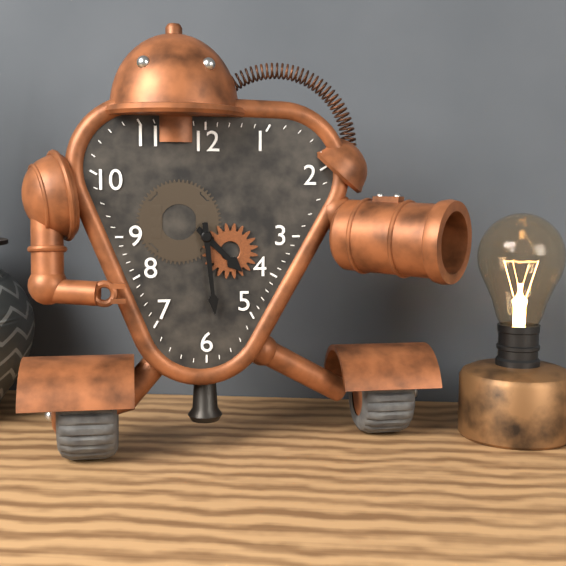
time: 4:29
